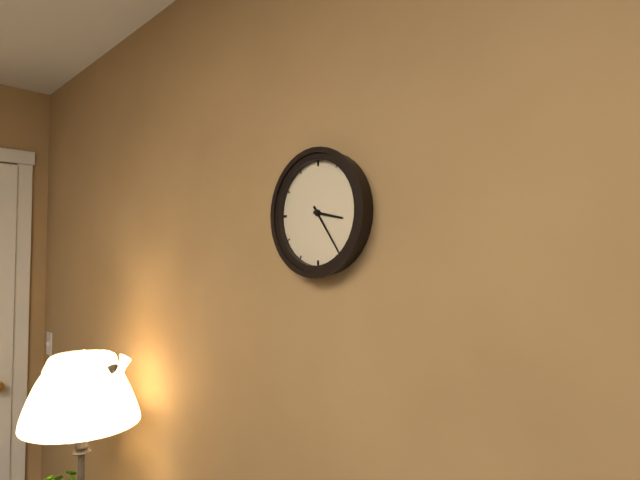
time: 3:24
